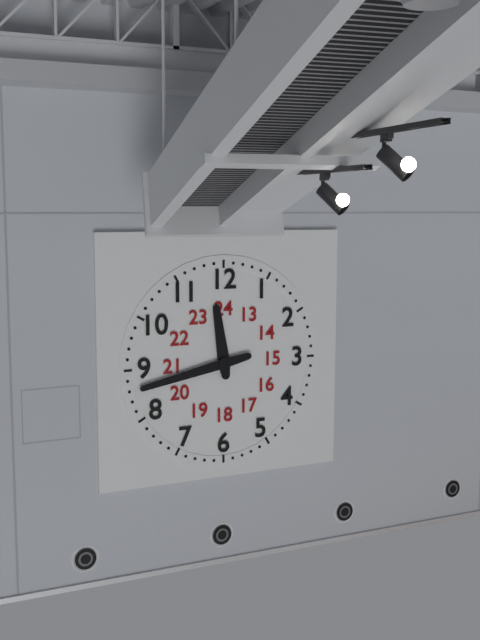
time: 11:43
